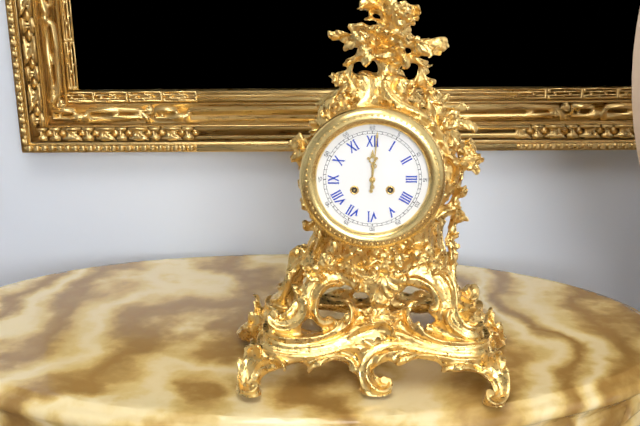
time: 12:01
